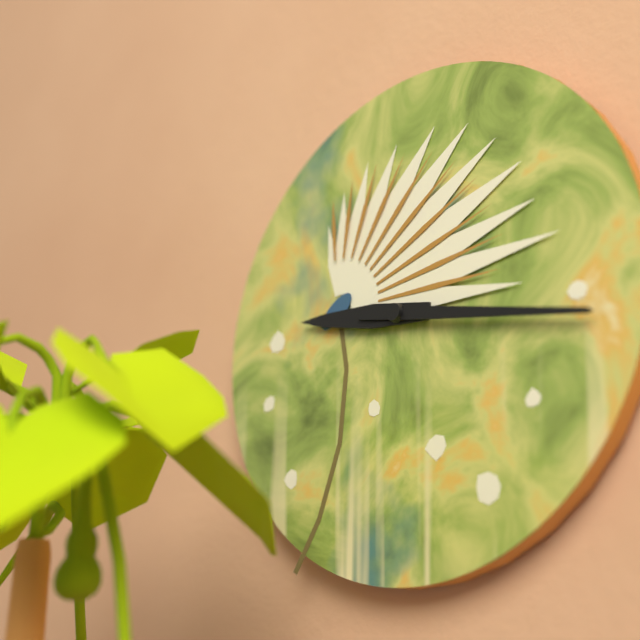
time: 9:17
